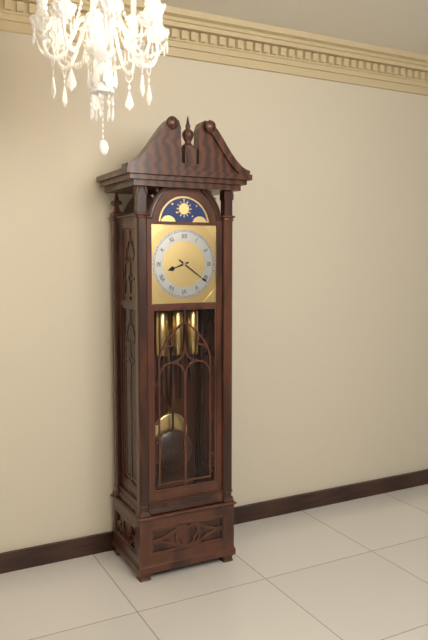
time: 8:21
